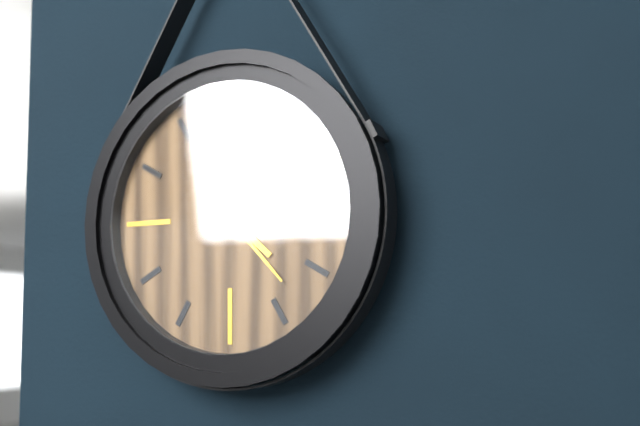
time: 4:23
